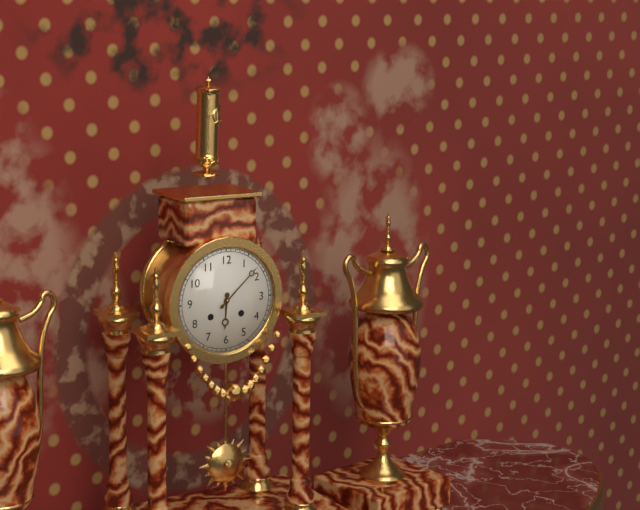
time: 6:08
